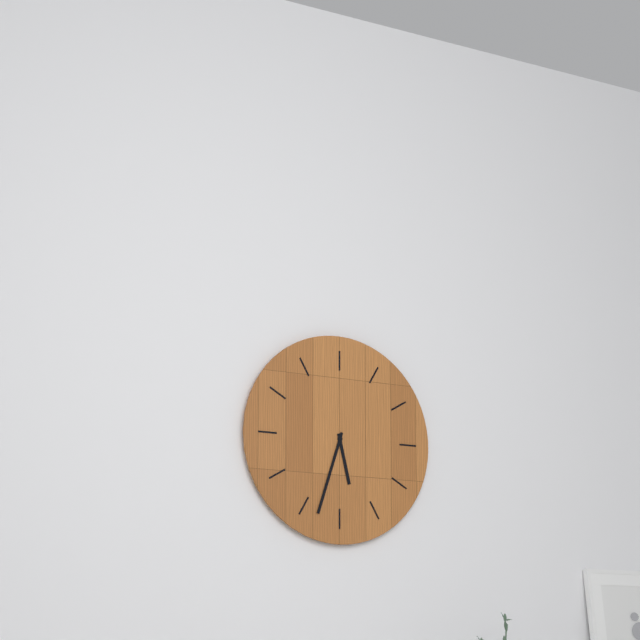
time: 5:33
